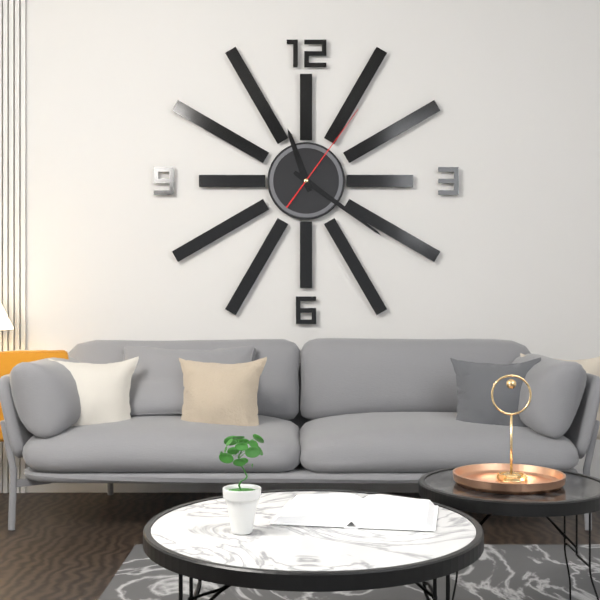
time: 11:21:06
